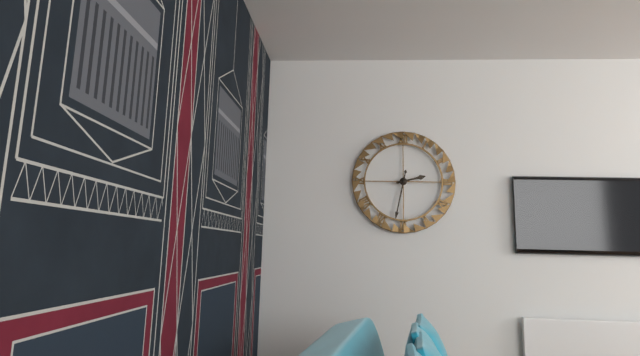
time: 2:32
